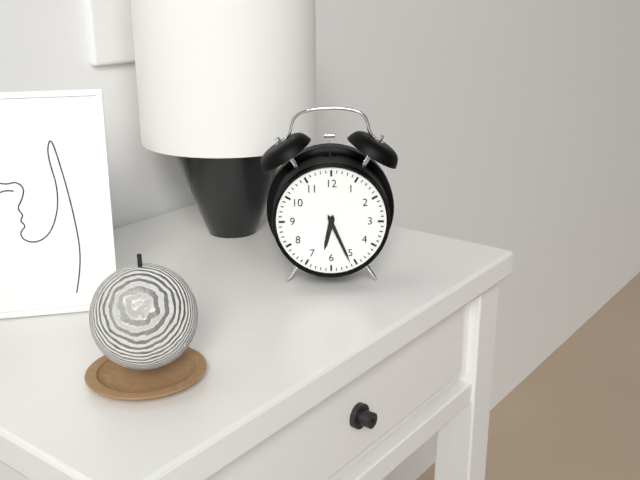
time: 6:26
